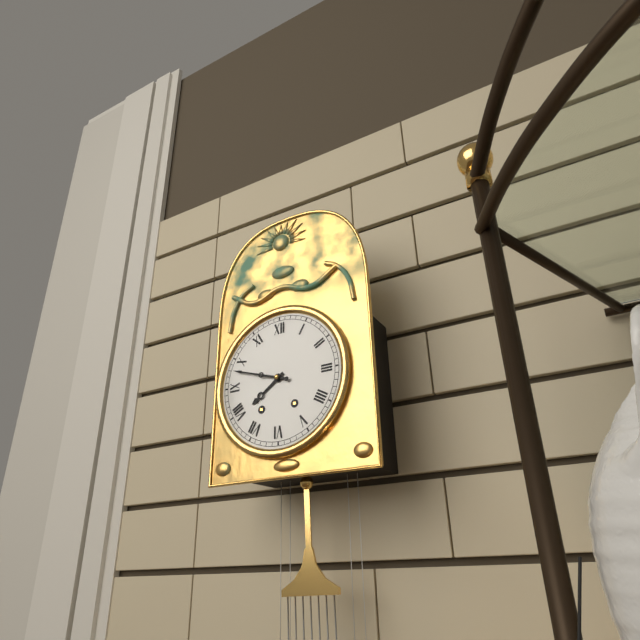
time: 7:48
